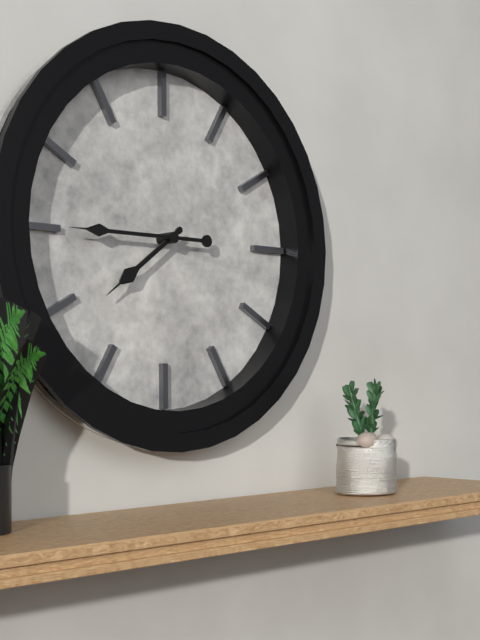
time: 7:45
